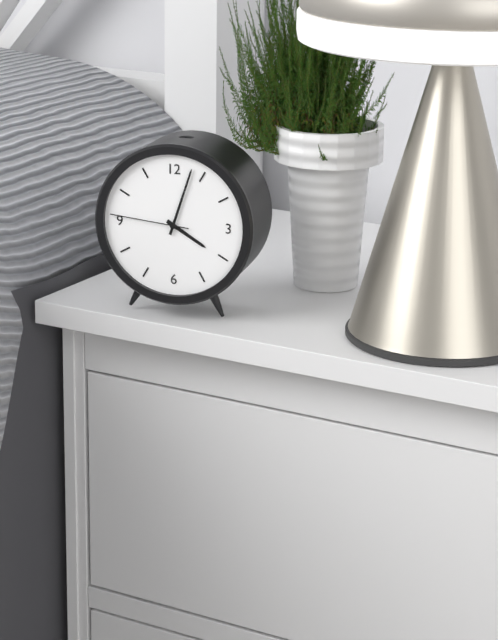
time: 4:03:46
